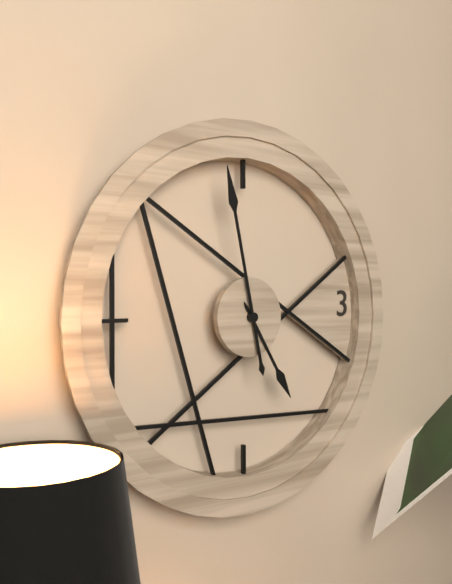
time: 4:58
